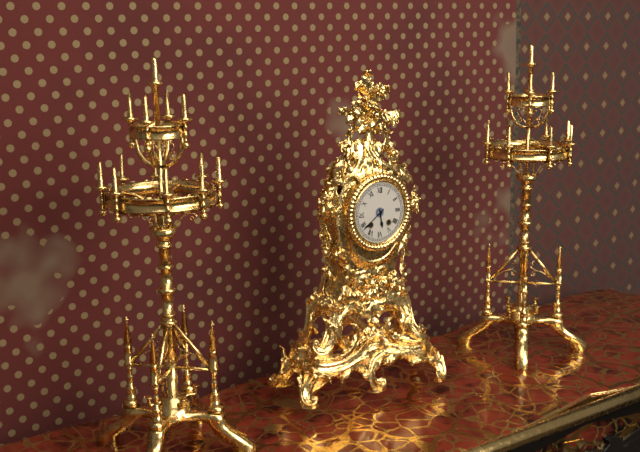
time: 5:39
